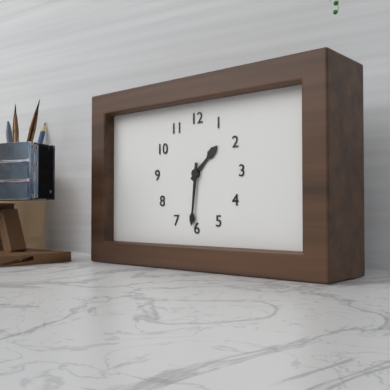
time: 1:31
